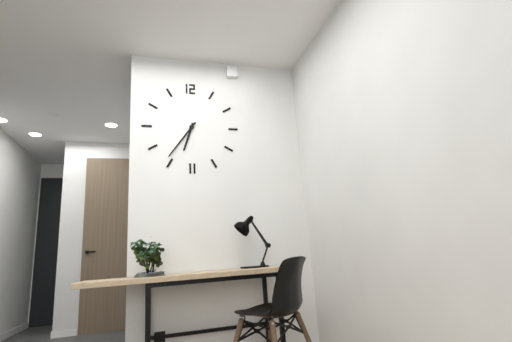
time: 6:36
